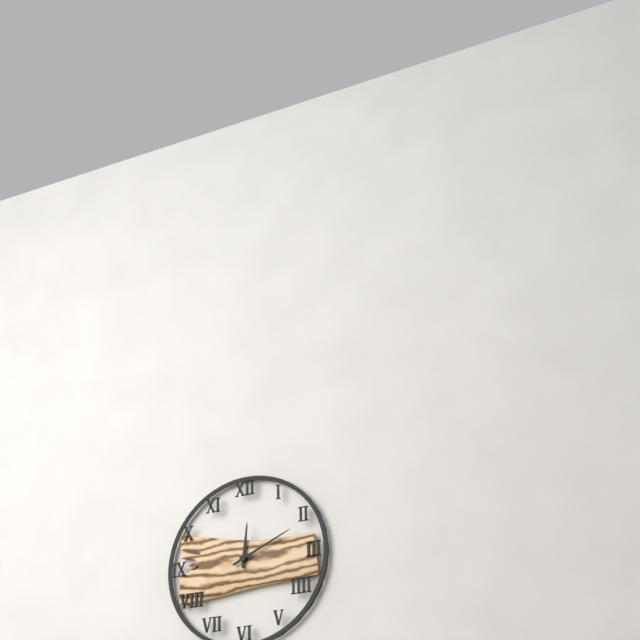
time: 12:11
